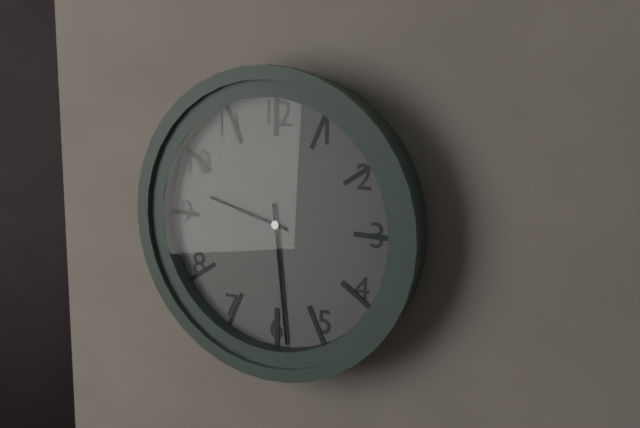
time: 9:29
